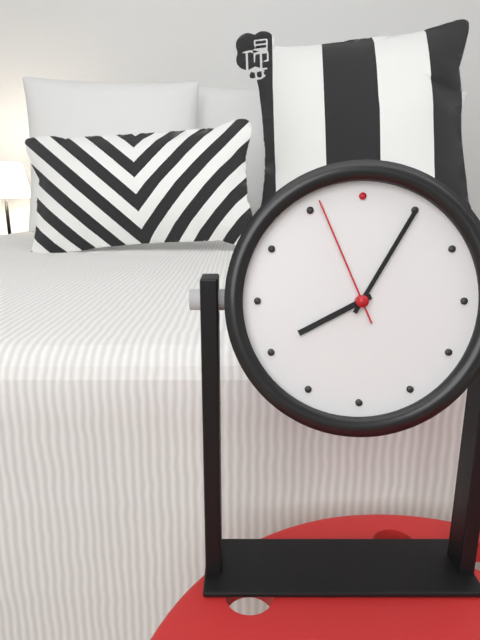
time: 8:05:56
